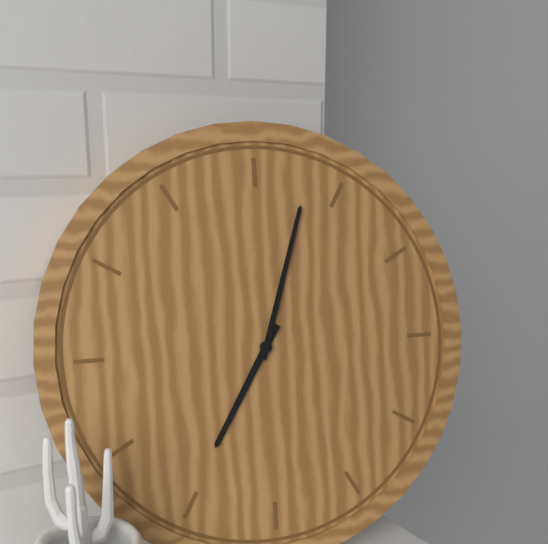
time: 7:03
